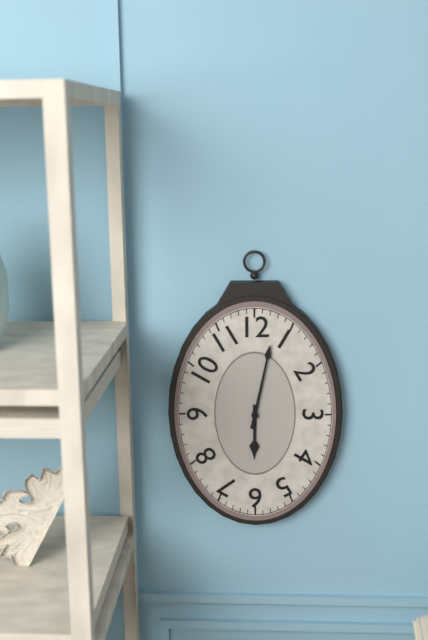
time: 6:02
